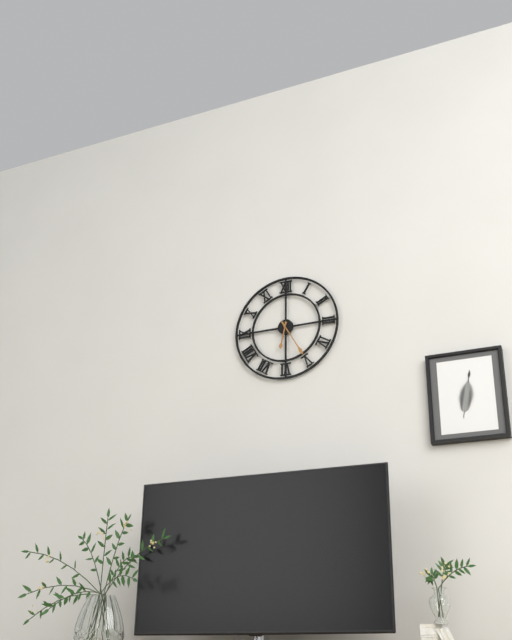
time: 6:25
